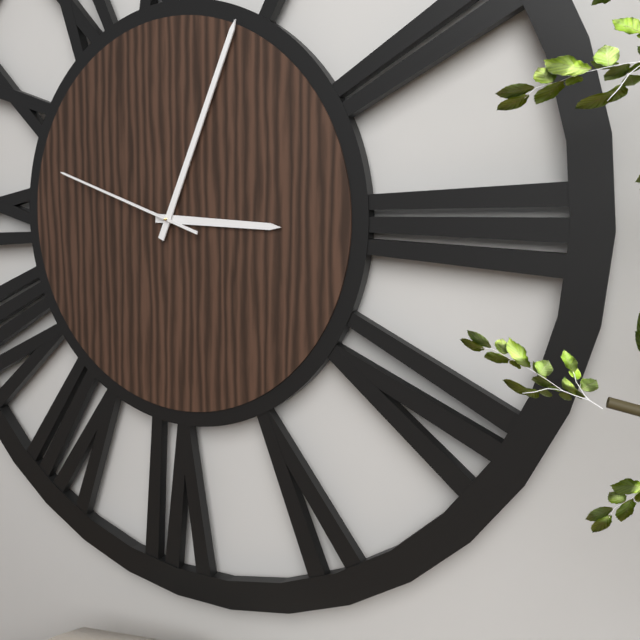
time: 3:04:48
